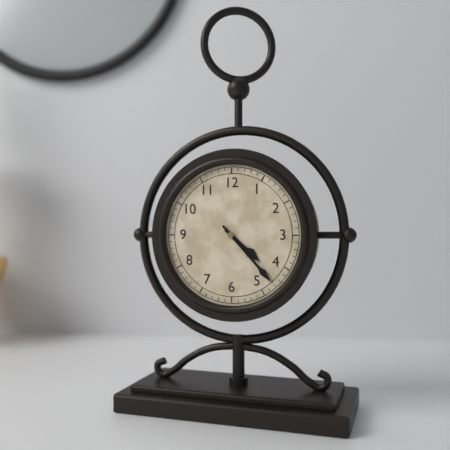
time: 4:23
